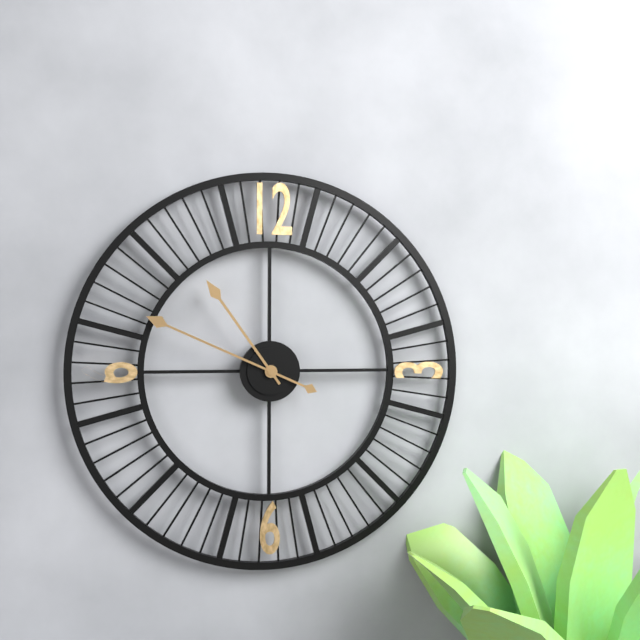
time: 10:49
